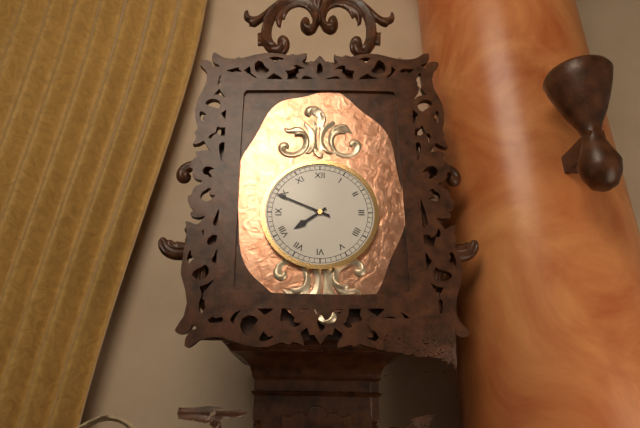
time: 7:49
